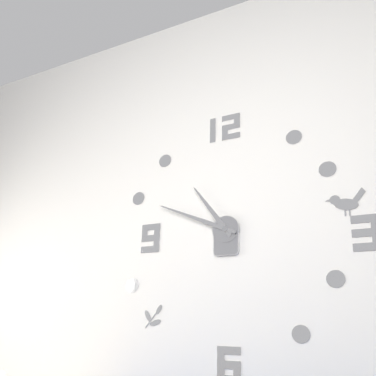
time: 10:49
